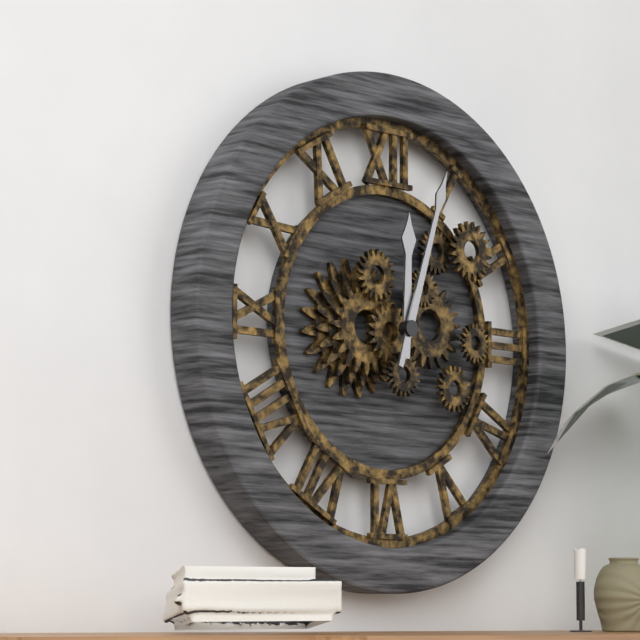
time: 12:03
